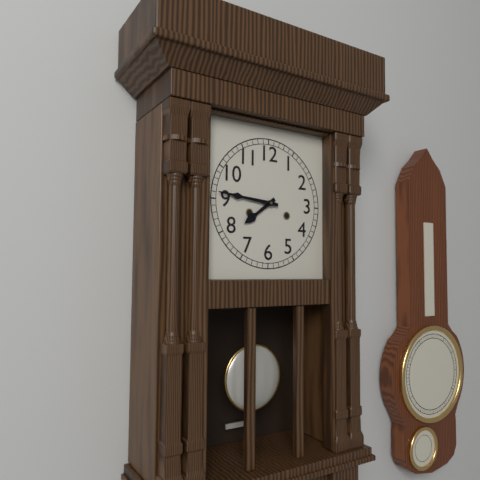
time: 7:46
